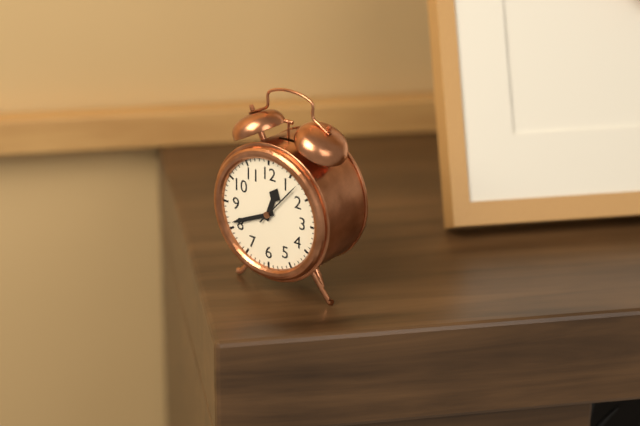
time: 12:41:07
